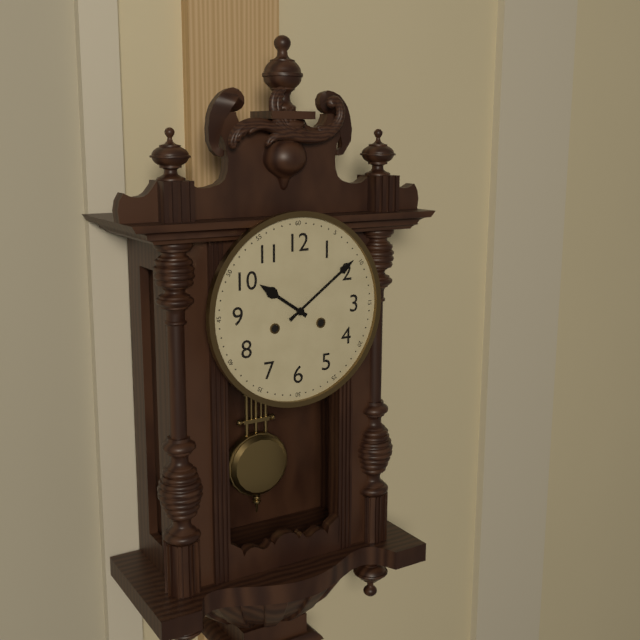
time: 10:09
